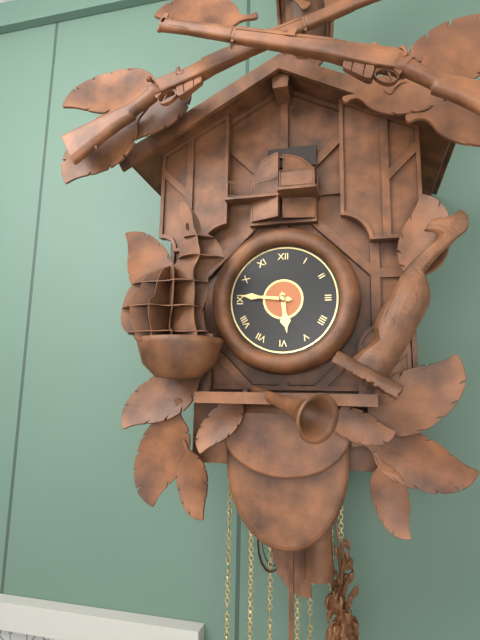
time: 5:46
